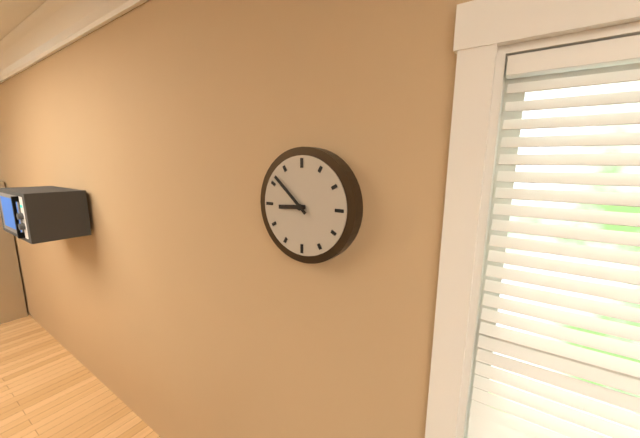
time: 8:52
